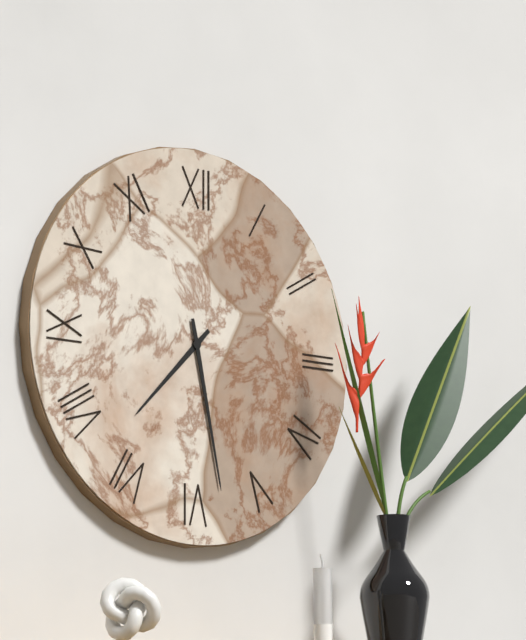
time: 7:28
